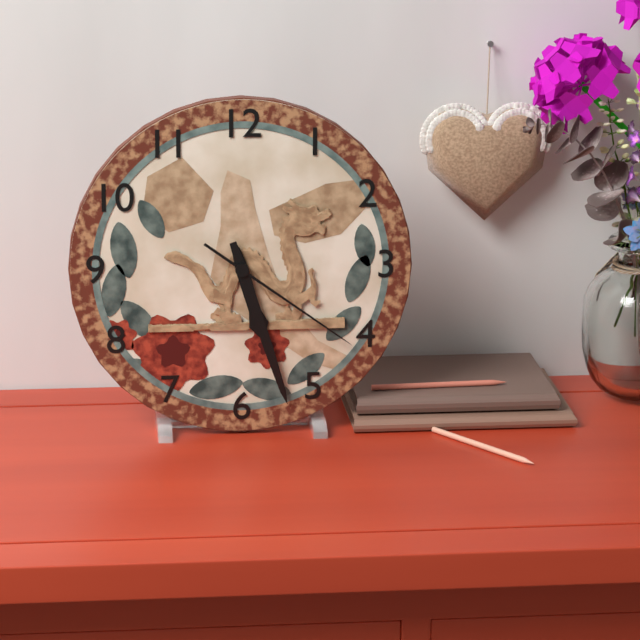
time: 5:27:21
